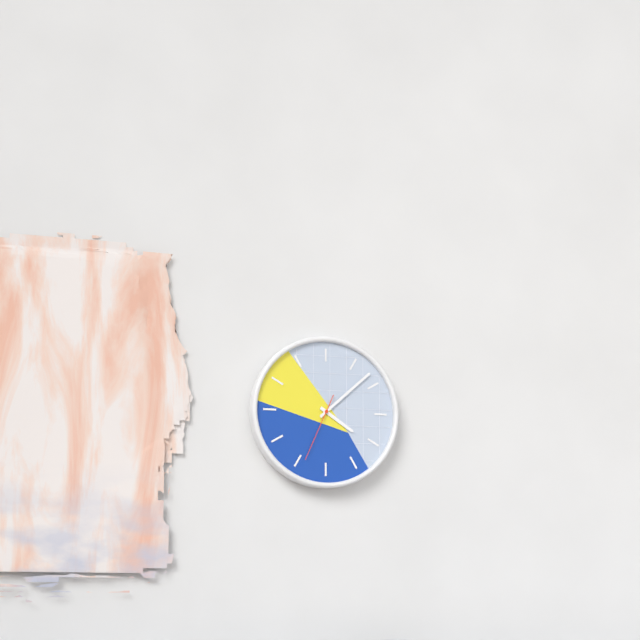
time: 4:08:34
